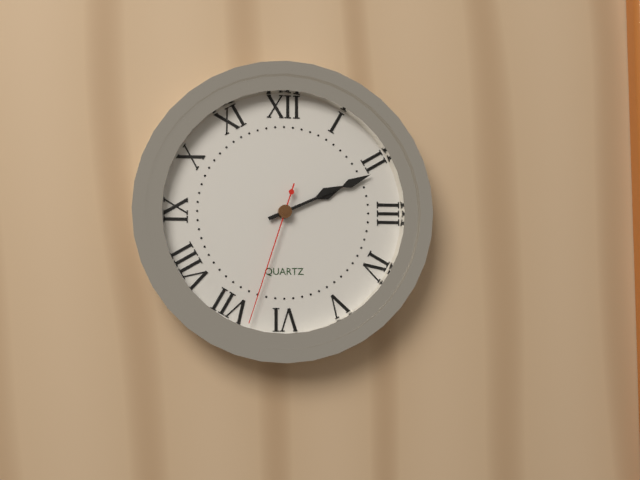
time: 2:11:33
